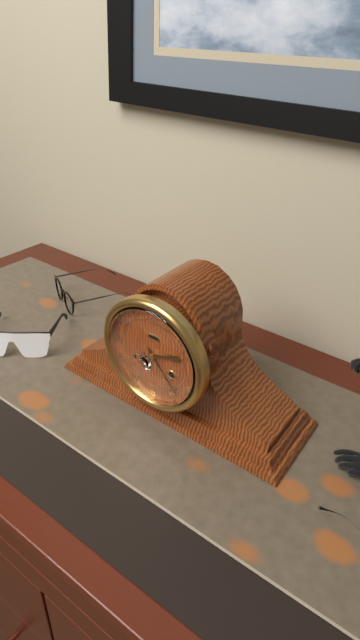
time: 2:23
